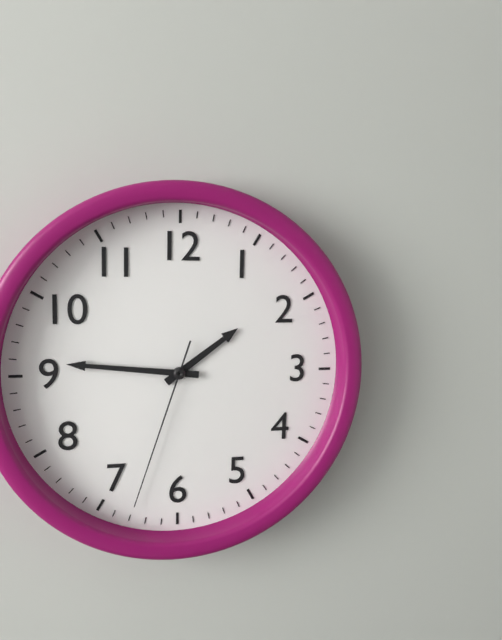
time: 1:46:33
